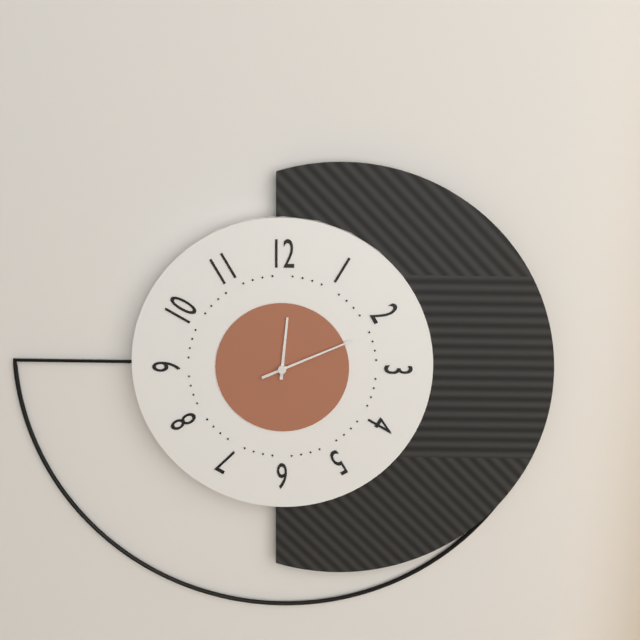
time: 12:11
